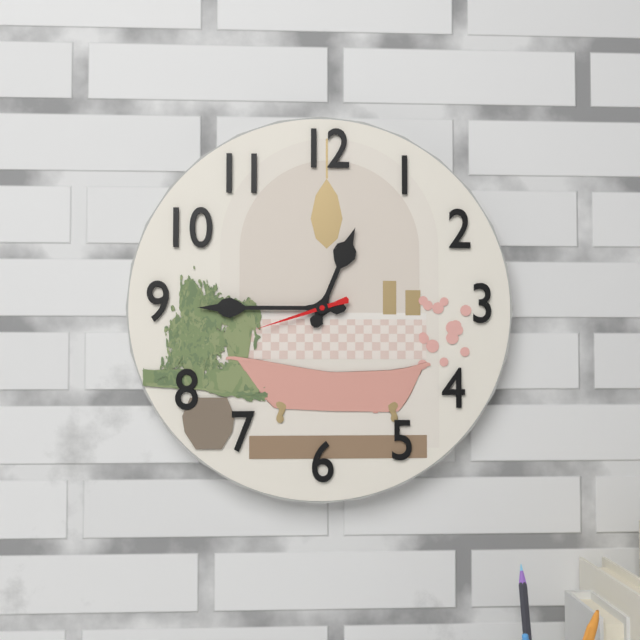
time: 12:45:42
